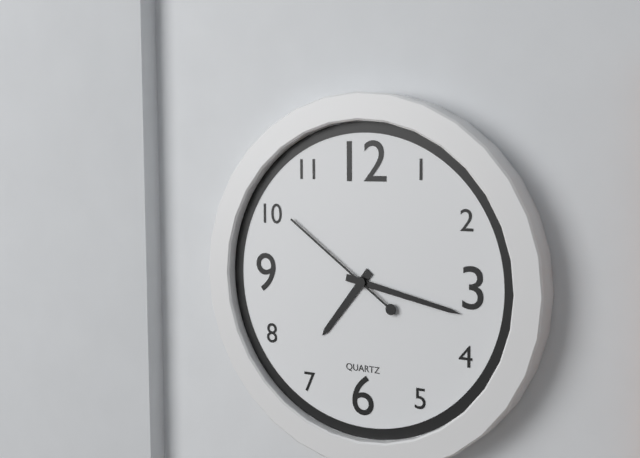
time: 7:17:51
